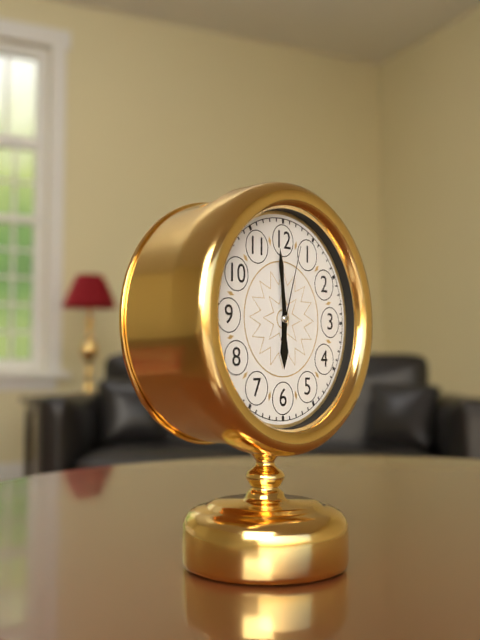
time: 5:59:03
